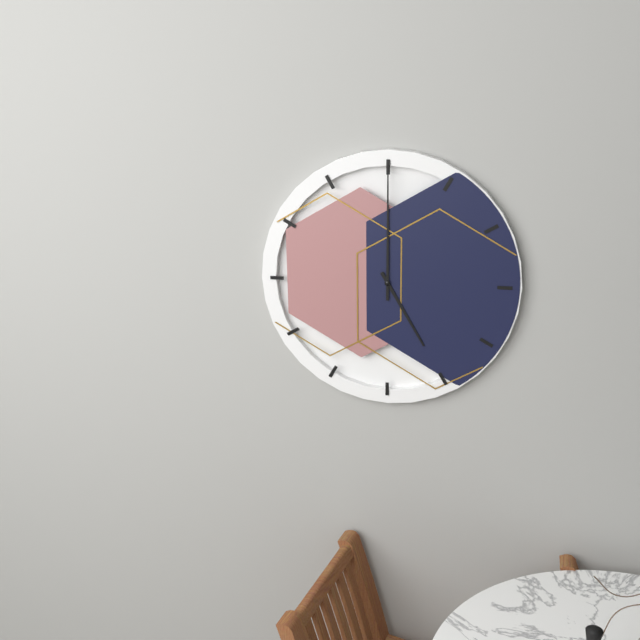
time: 5:00
